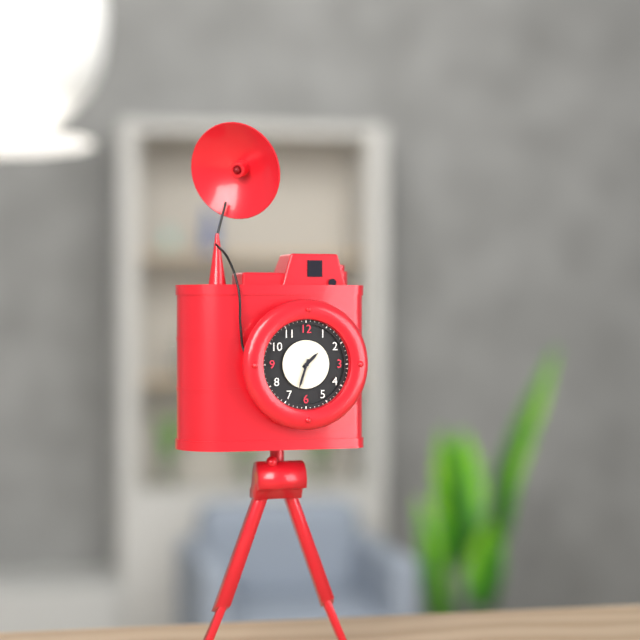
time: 1:33
